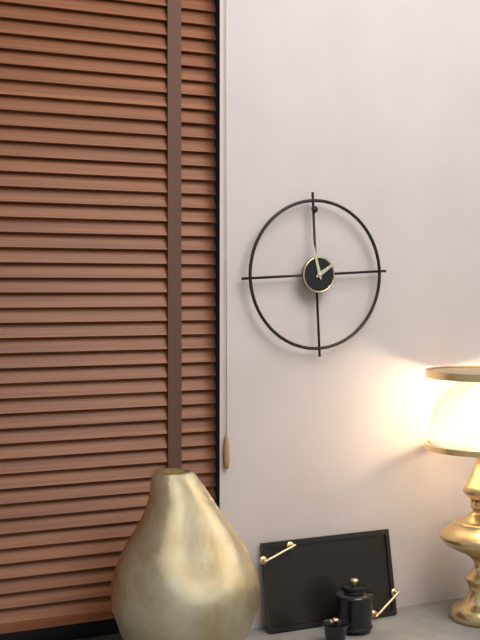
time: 1:58
